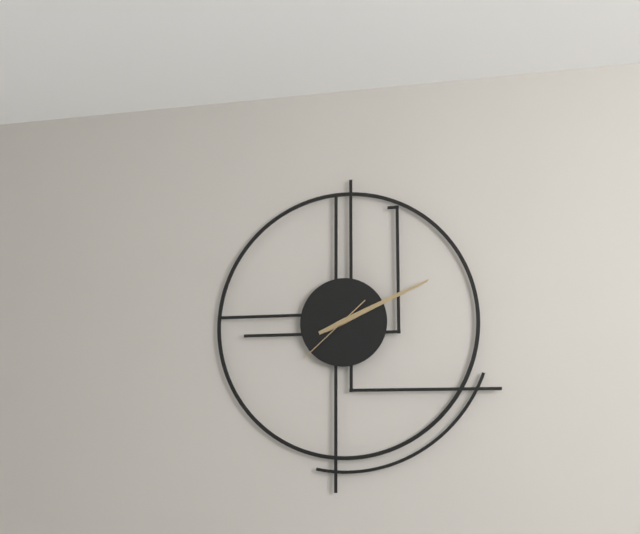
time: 2:11:38
